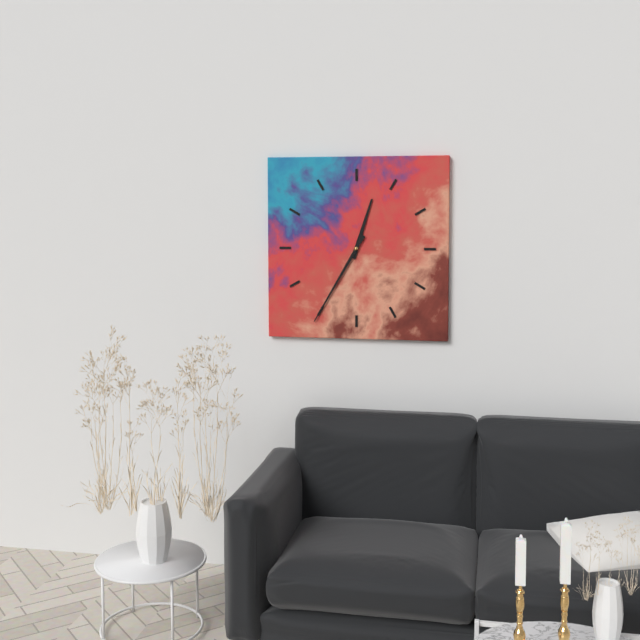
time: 12:35
